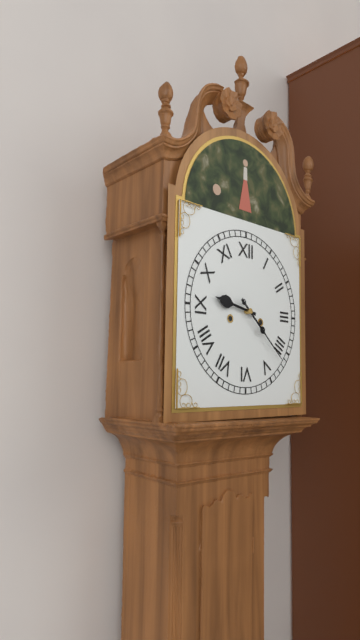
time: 9:22
